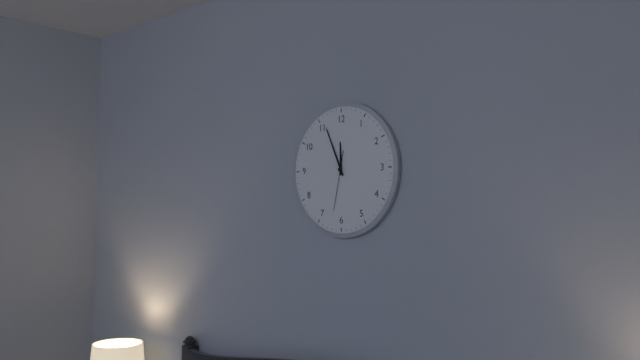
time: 11:56:32
